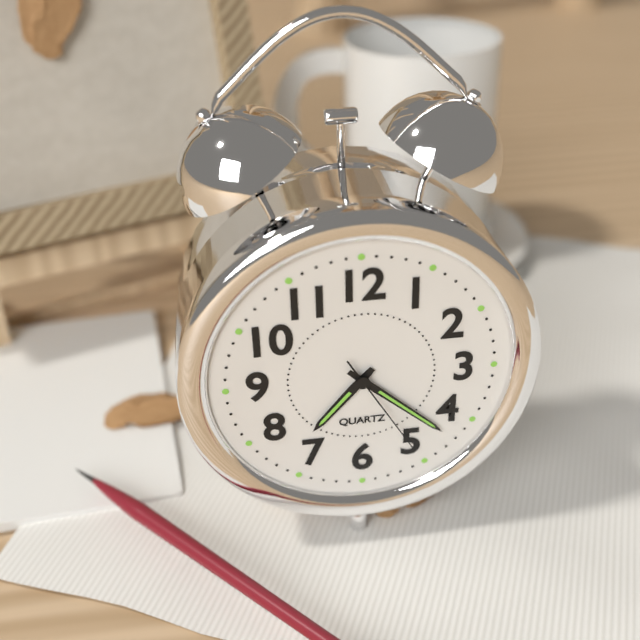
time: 7:22:25
